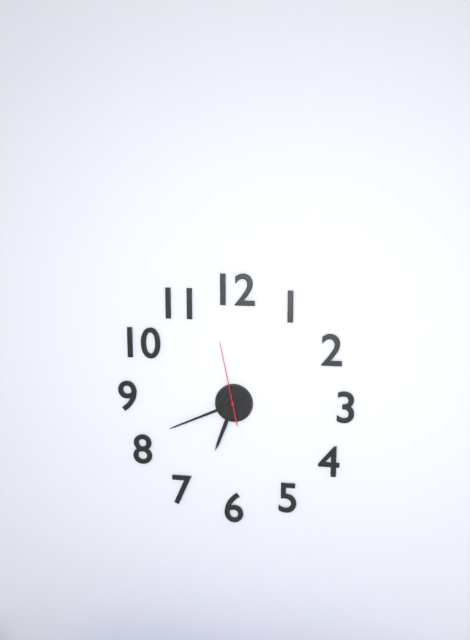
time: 6:41:58
